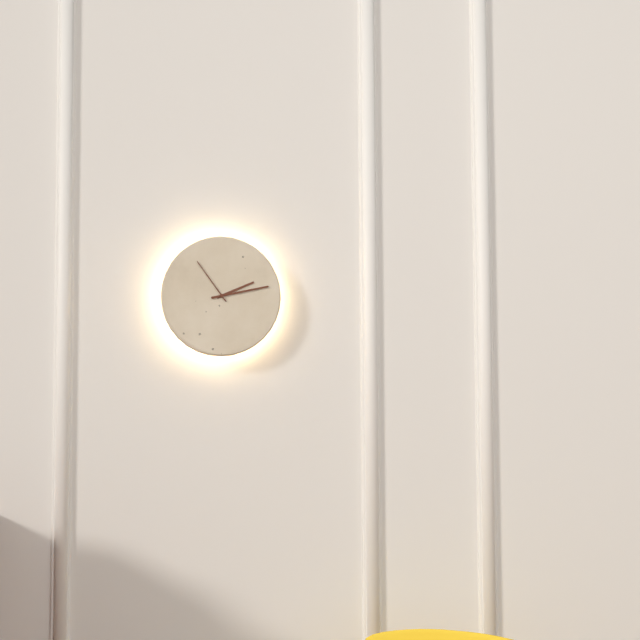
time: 2:13:54
